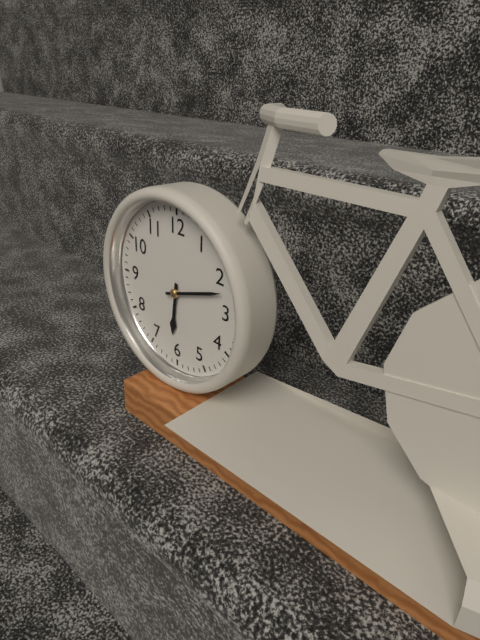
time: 6:12
